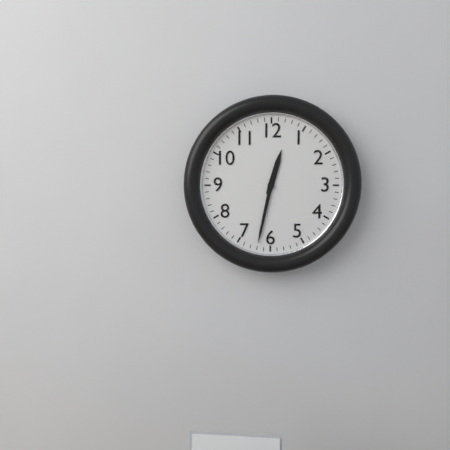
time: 12:32
